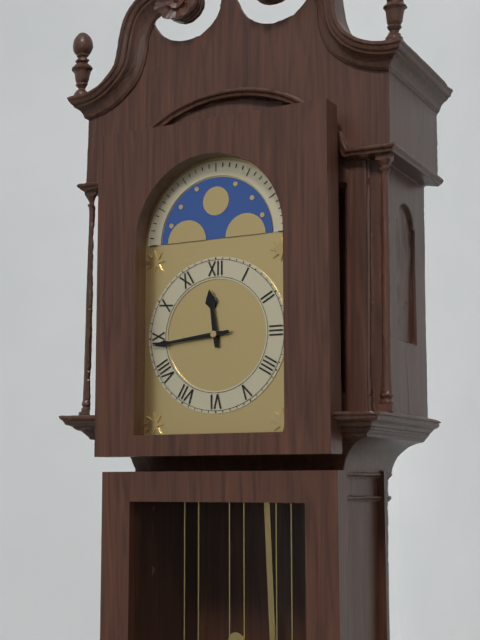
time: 11:44
